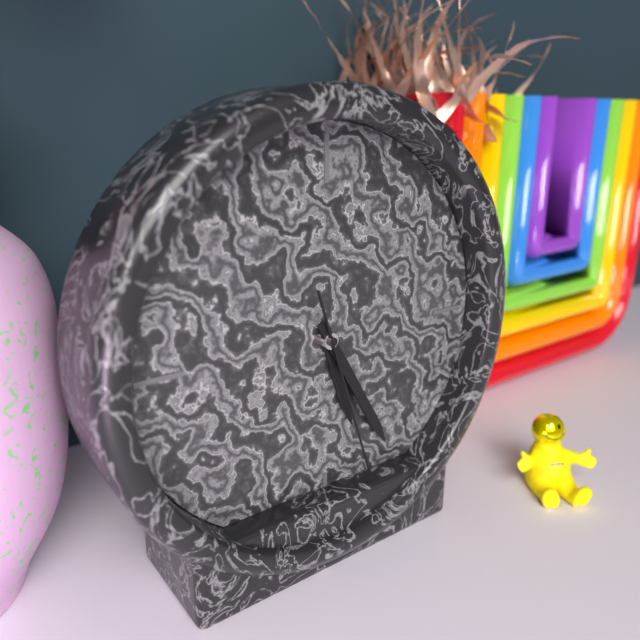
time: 5:25:27
